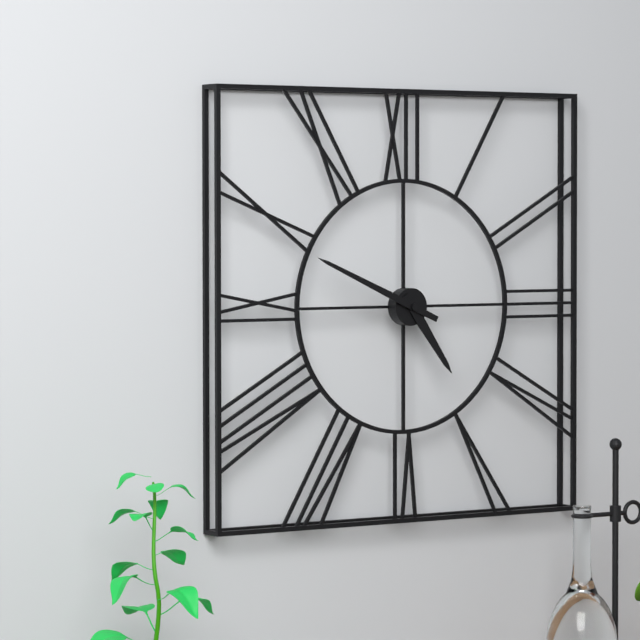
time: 4:49
